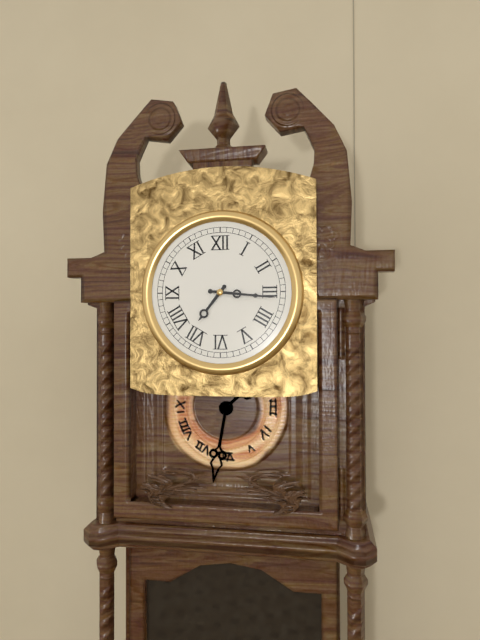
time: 7:16
